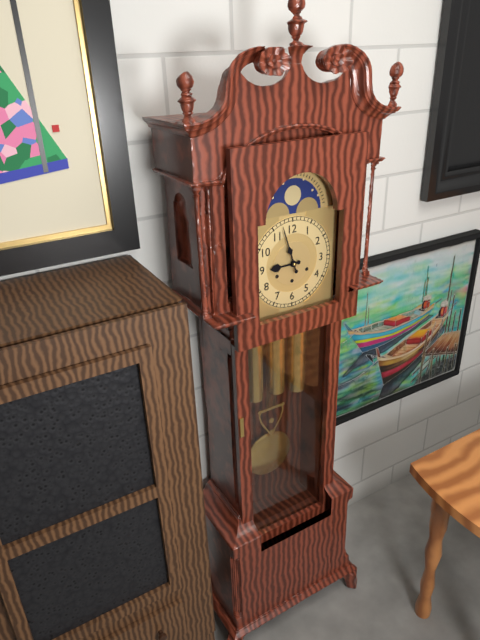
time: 8:57
